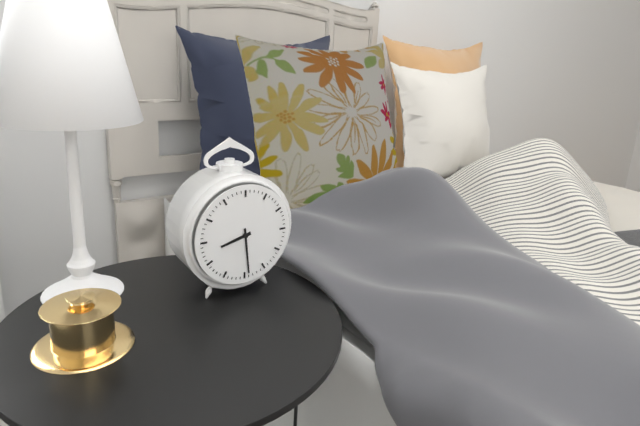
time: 8:29
